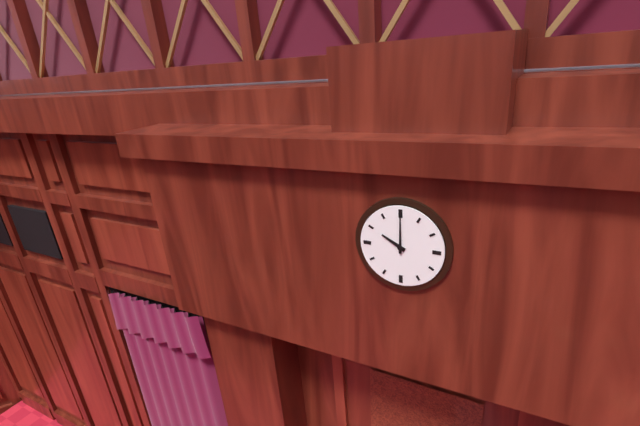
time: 10:00
